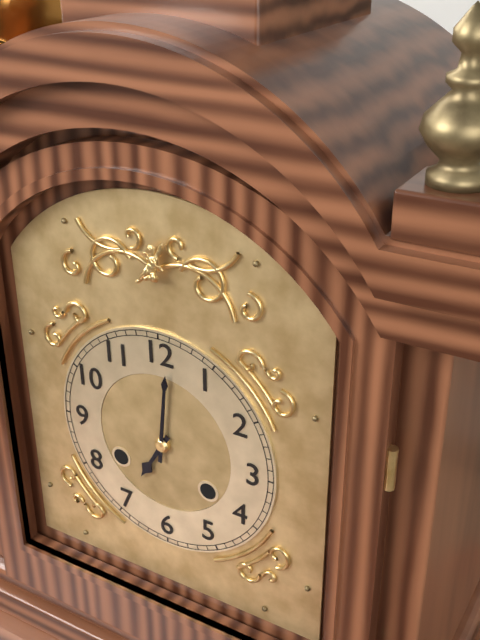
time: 7:01
